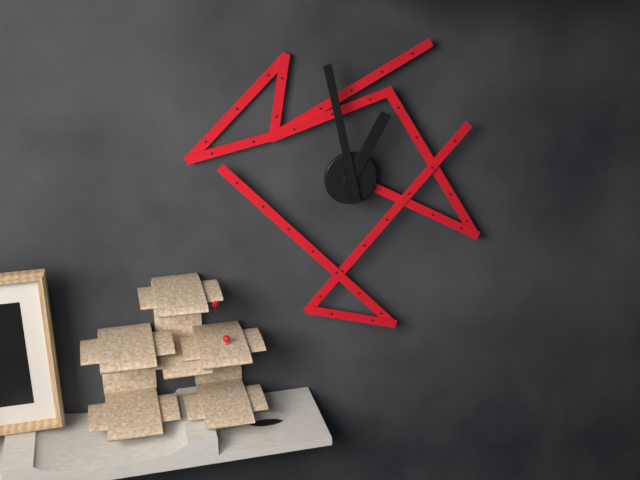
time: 12:58
